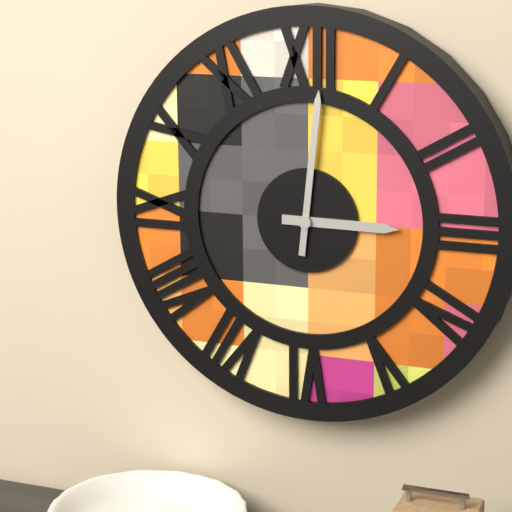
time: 3:01
